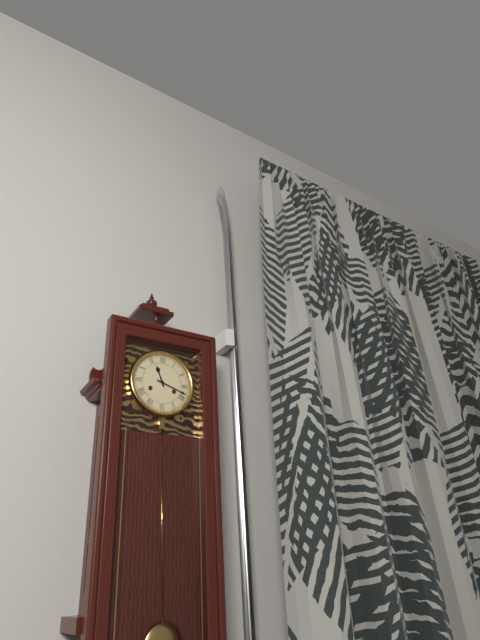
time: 11:18
